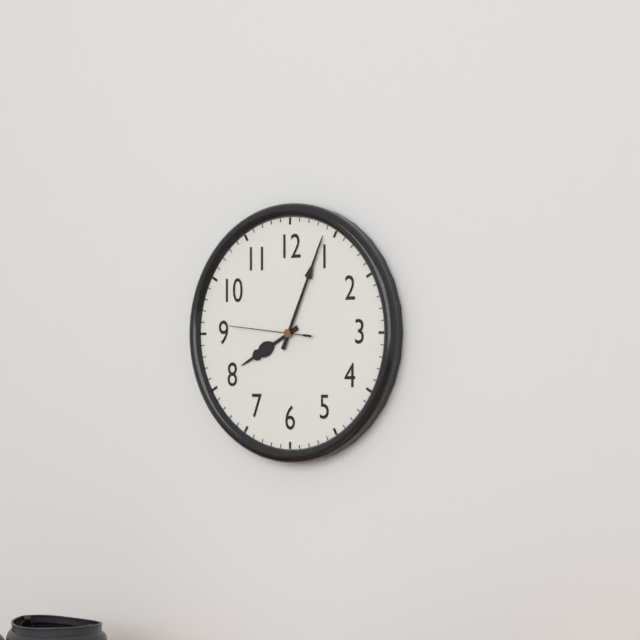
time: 8:04:46
